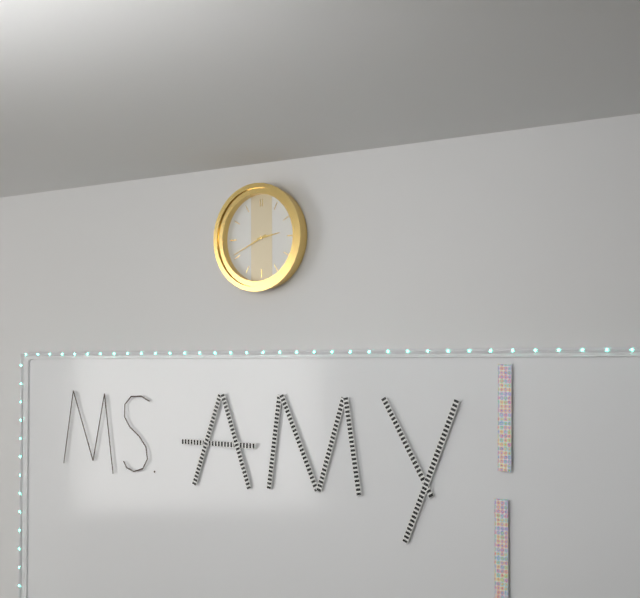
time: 2:41
